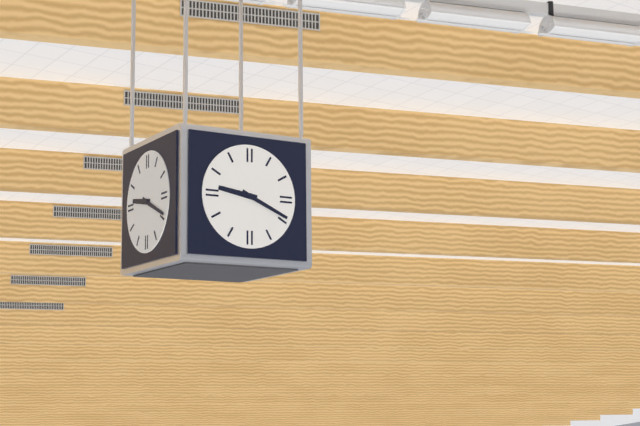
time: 9:19
